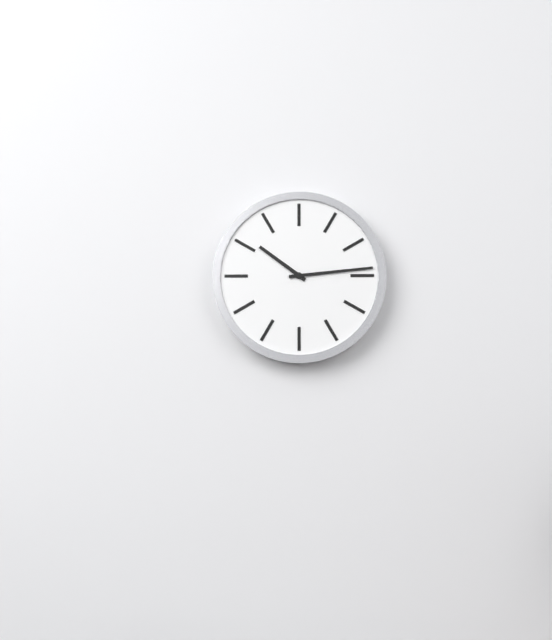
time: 10:14
